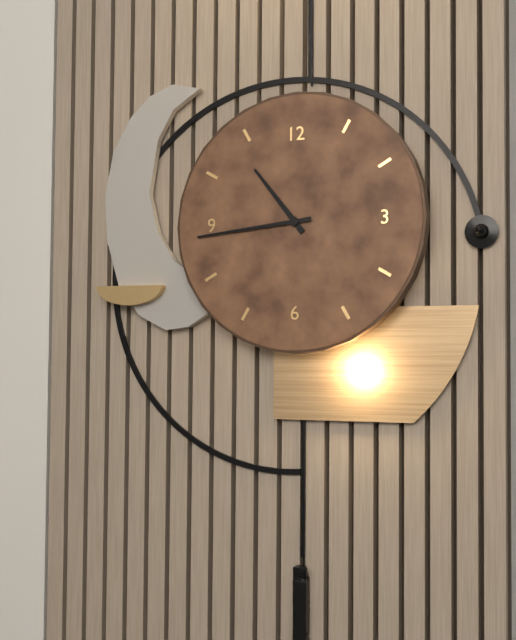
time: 10:44
